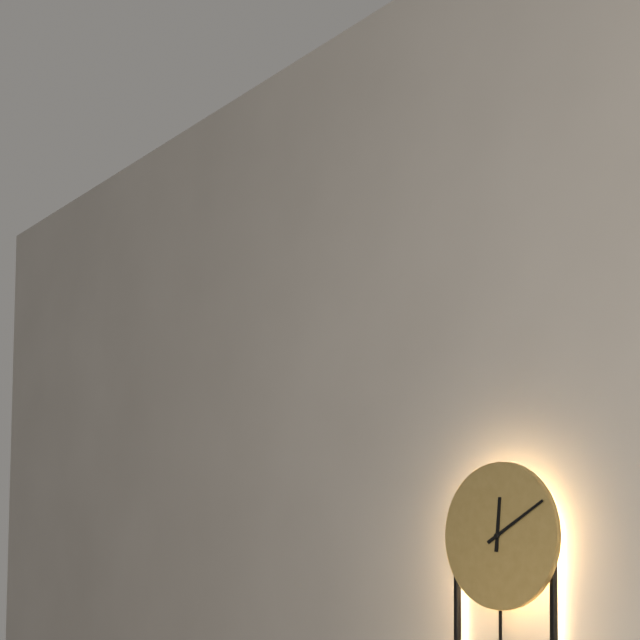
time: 12:10
